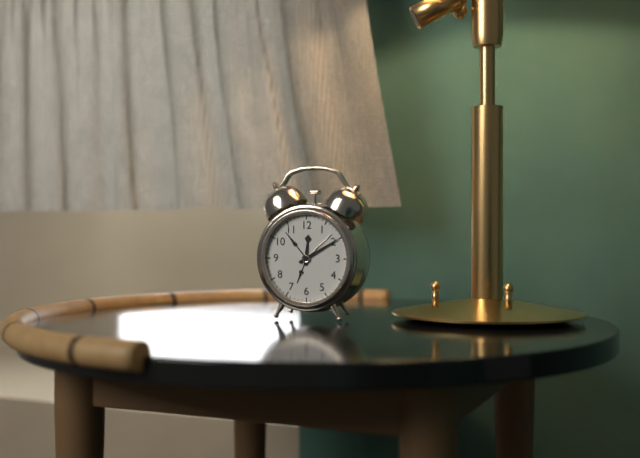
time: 12:10
